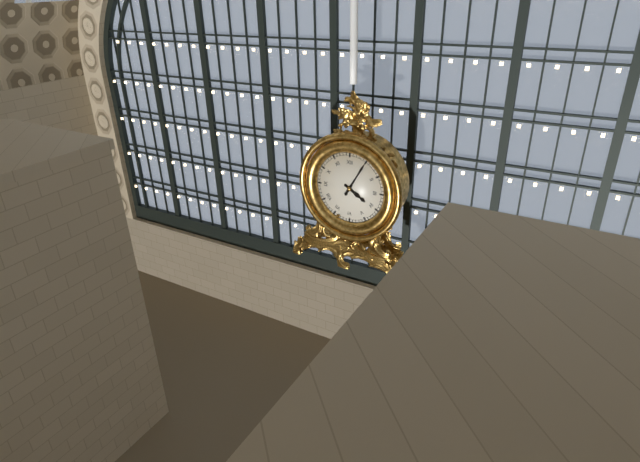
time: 4:05
